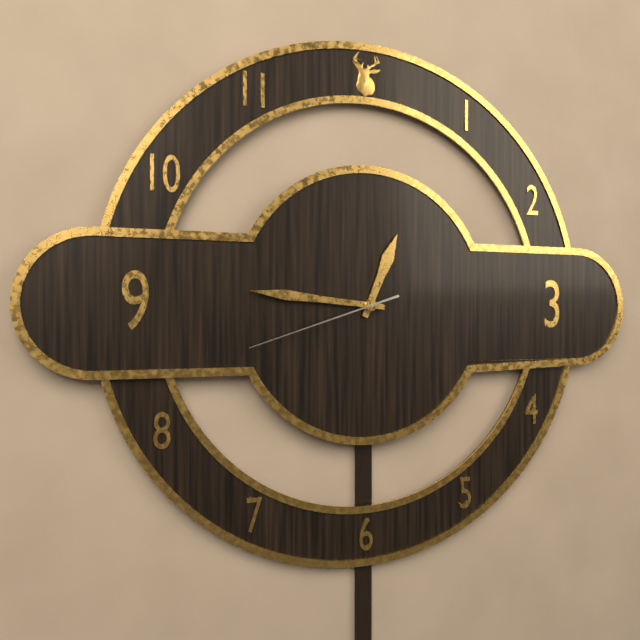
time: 12:46:42
